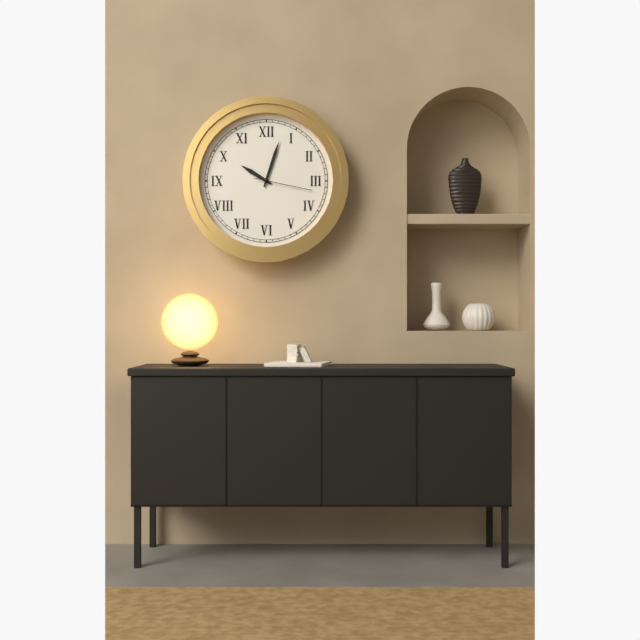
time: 10:03:17
